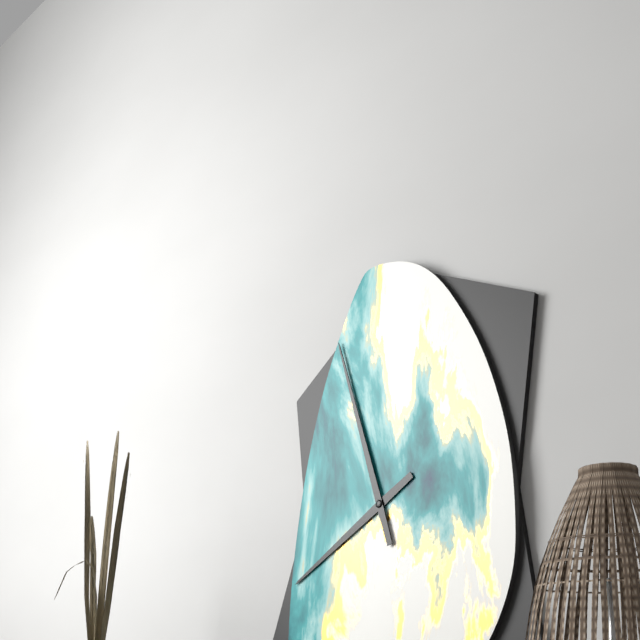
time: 7:57
